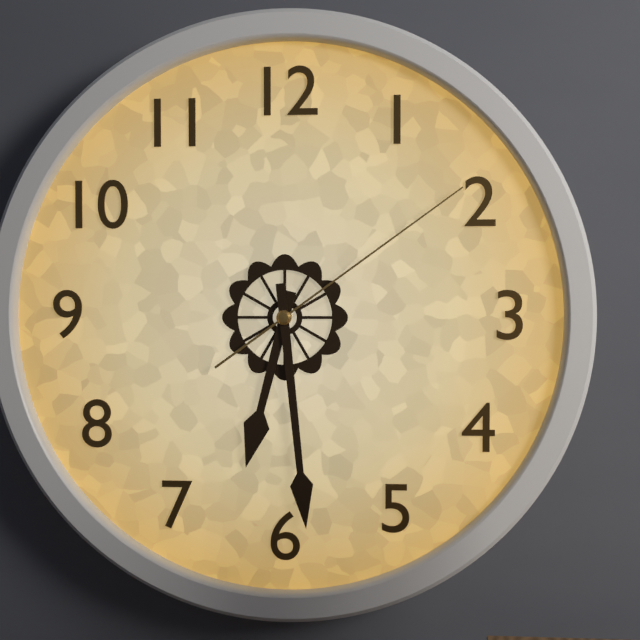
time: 6:29:09
